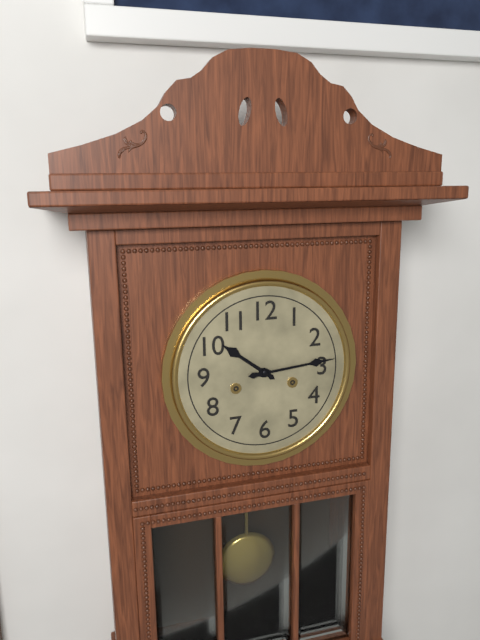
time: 10:14
